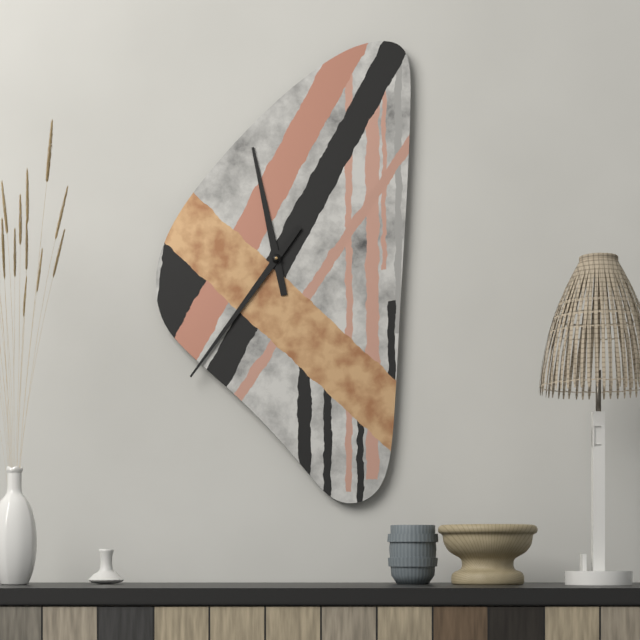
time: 11:36
